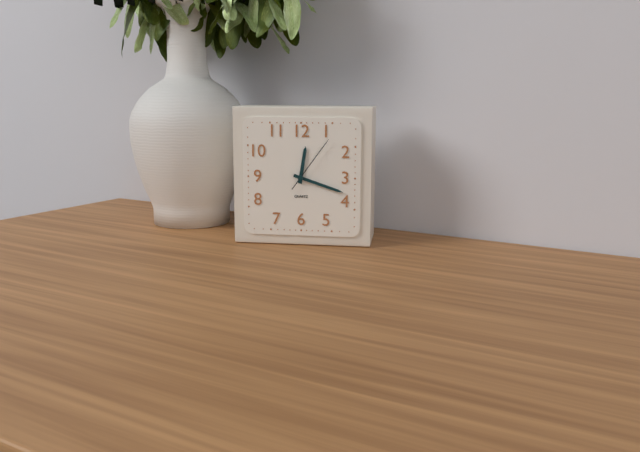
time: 12:18:06
